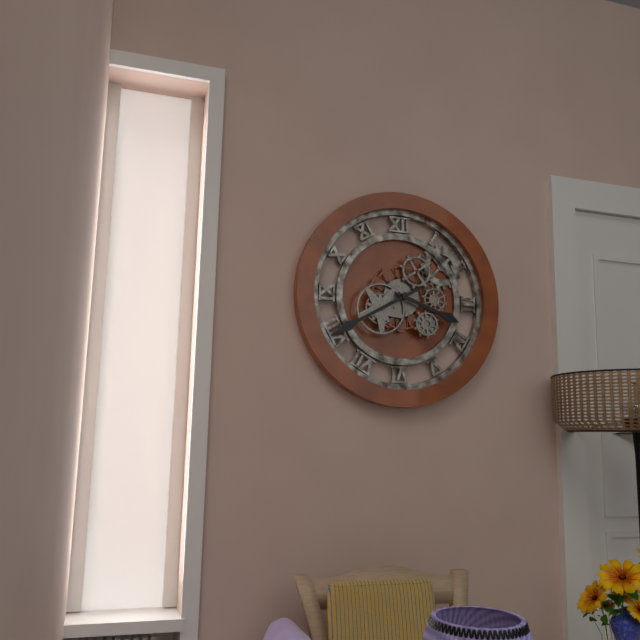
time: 3:40
